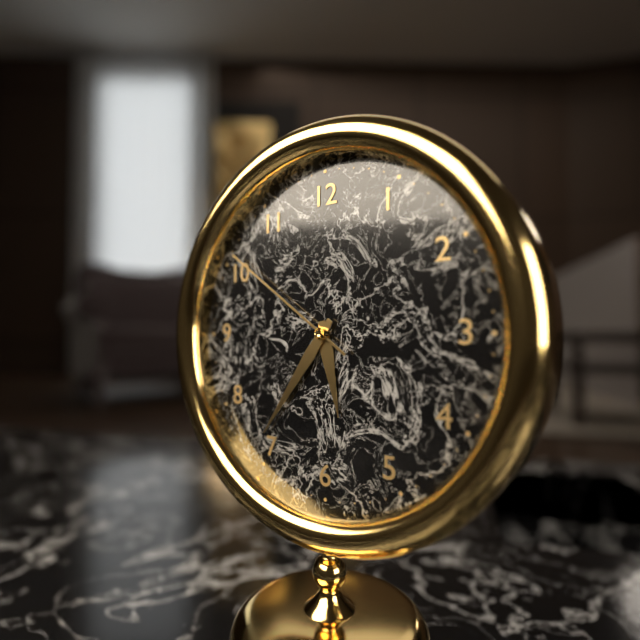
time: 5:36:51
